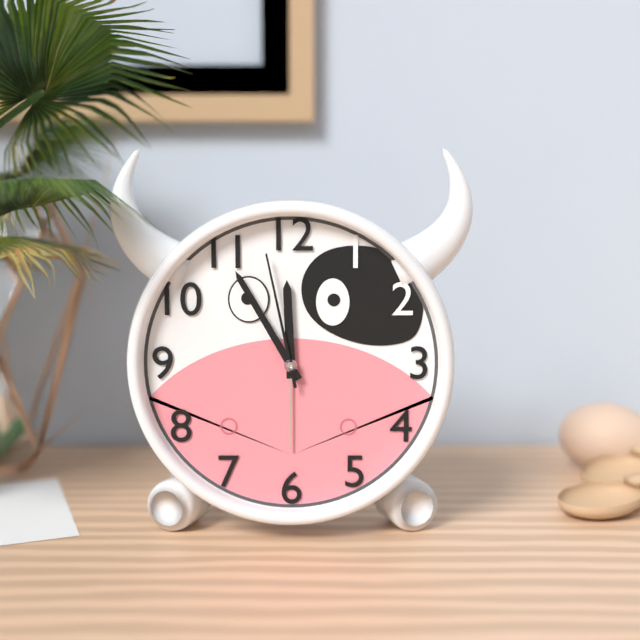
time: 11:55:58
